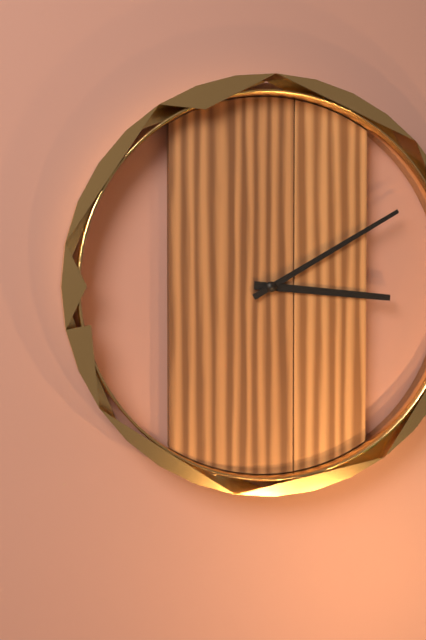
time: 3:10
